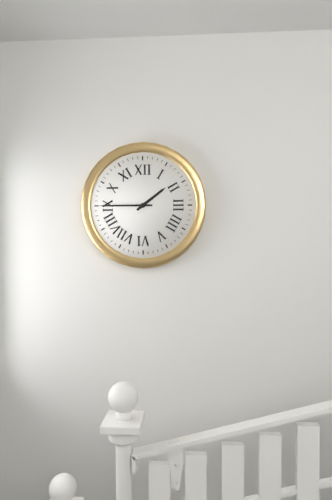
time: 1:45
